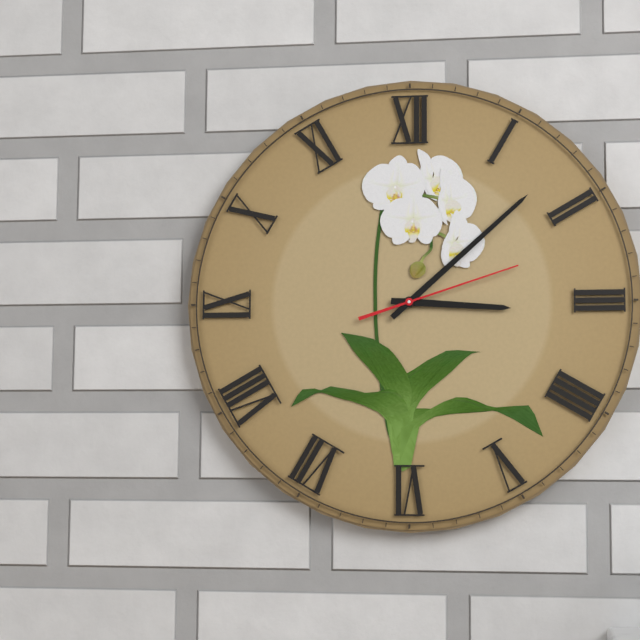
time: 3:08:12
